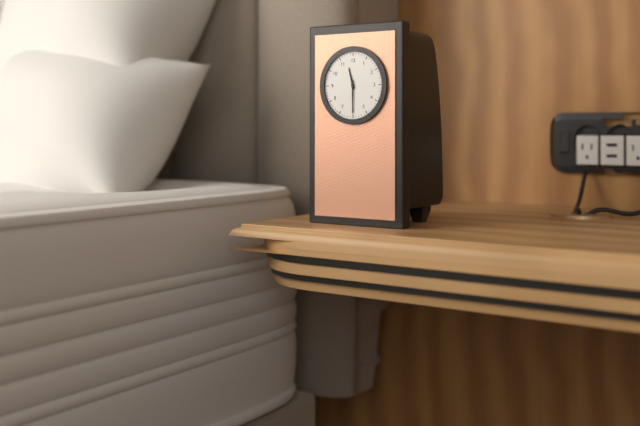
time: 11:30
